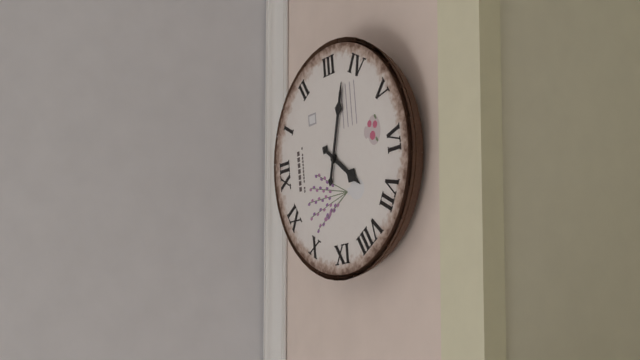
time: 7:18
